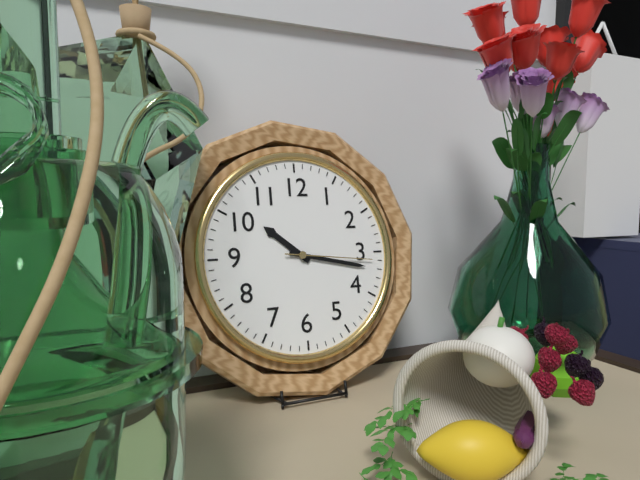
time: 10:17:16
